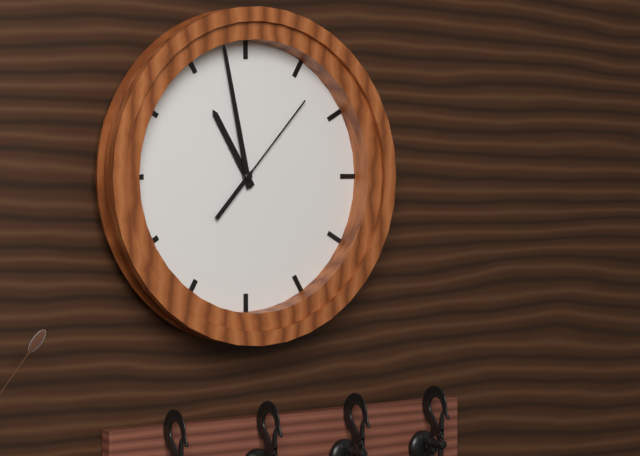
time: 10:58:07
